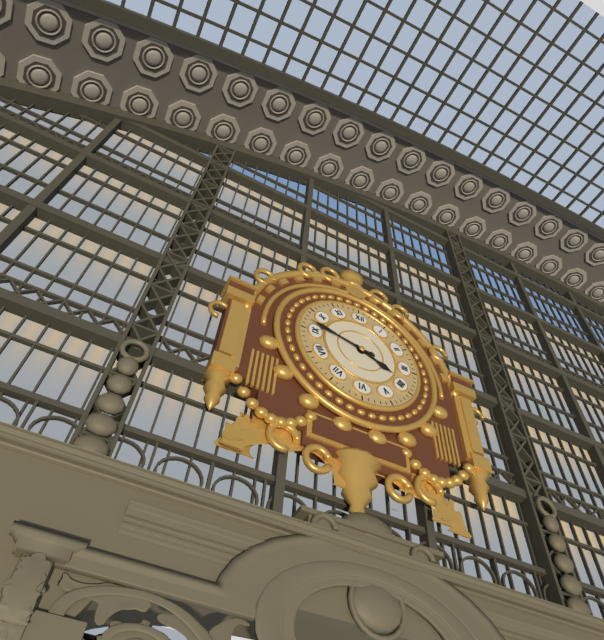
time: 3:47
